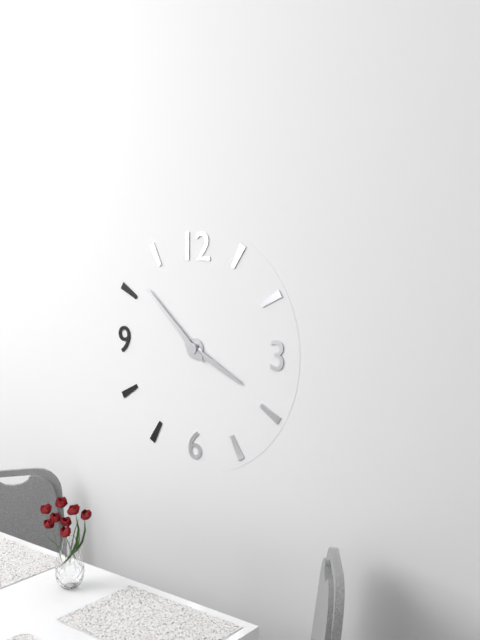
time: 3:52
